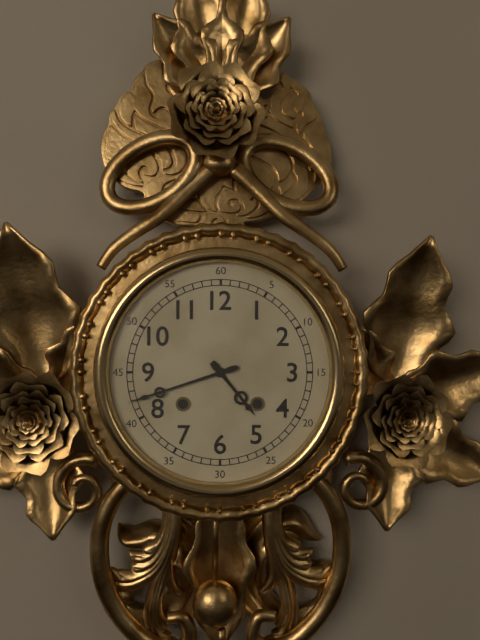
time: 4:42
